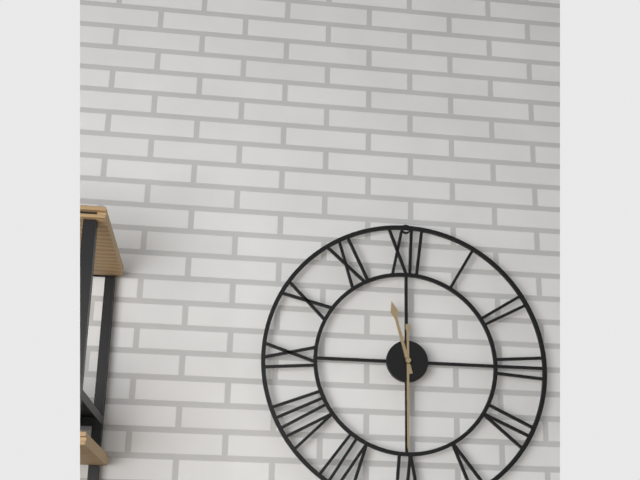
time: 11:30
